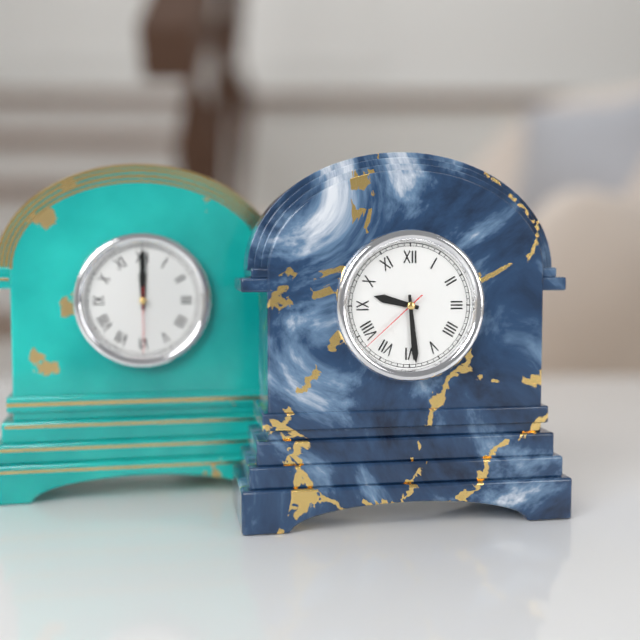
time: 9:29:38
